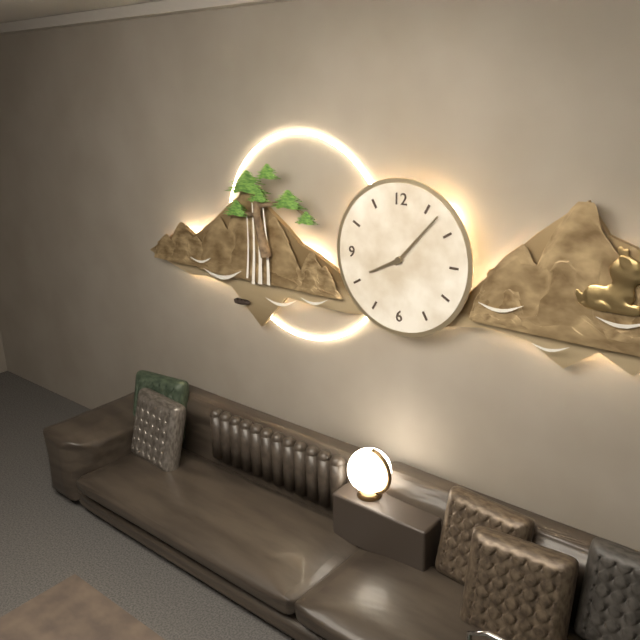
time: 8:07
